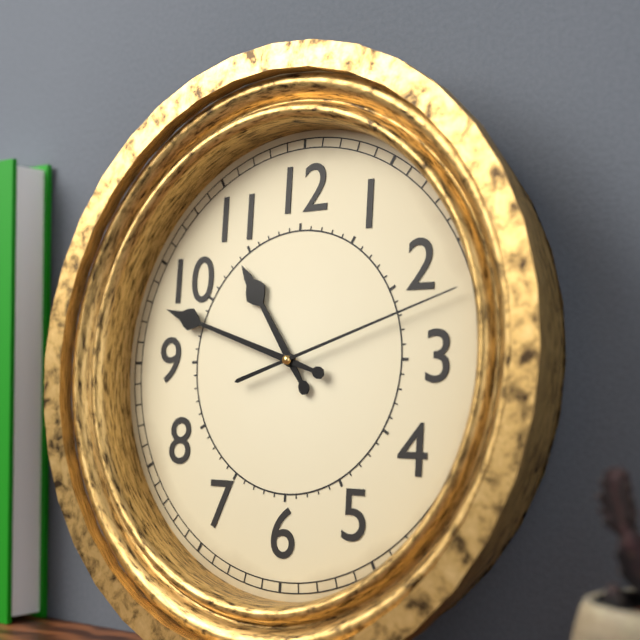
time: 10:48:12
